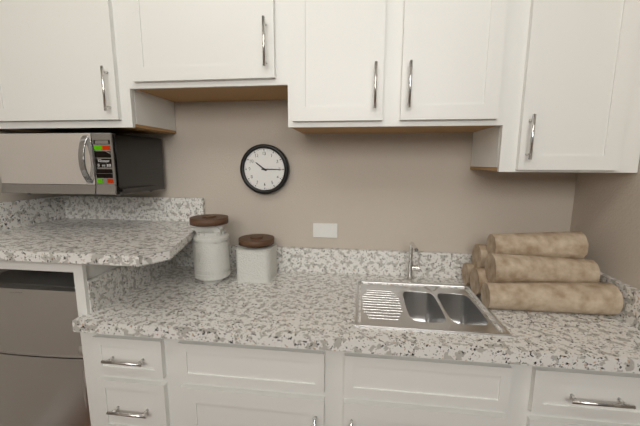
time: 10:15
